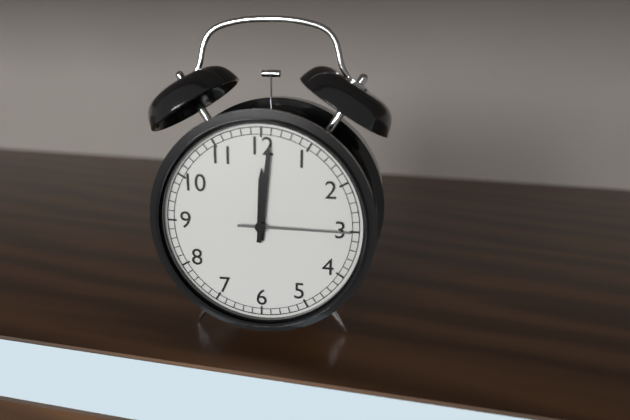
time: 12:01:15
